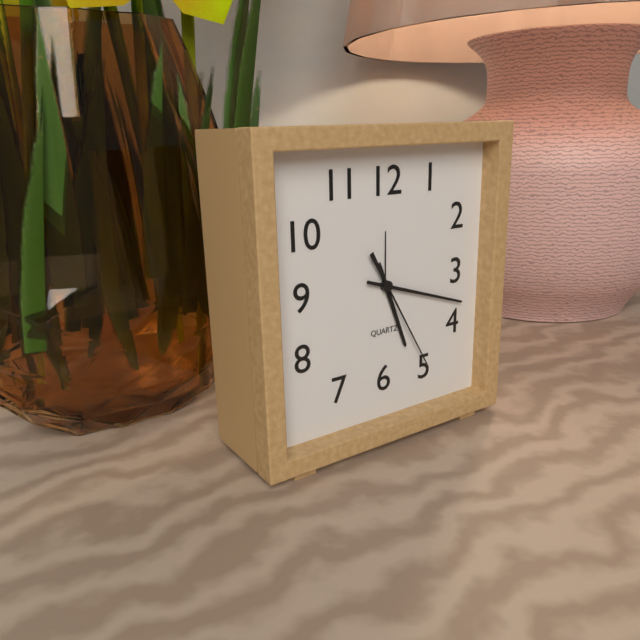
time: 5:18:25
